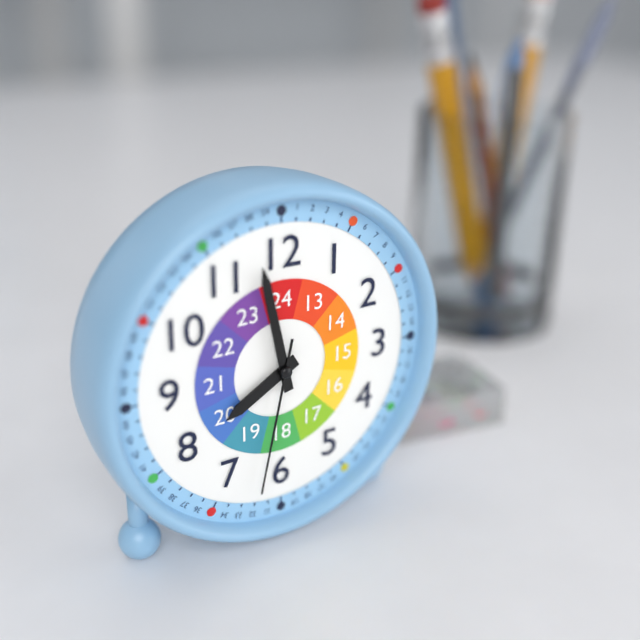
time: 7:58:32
